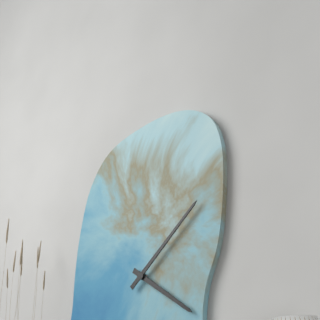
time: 4:08
